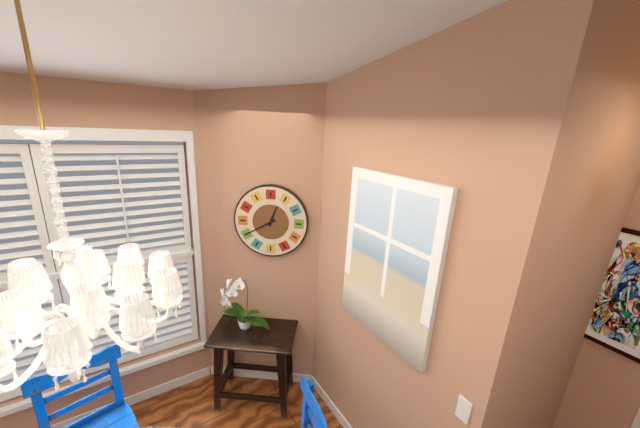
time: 12:40
